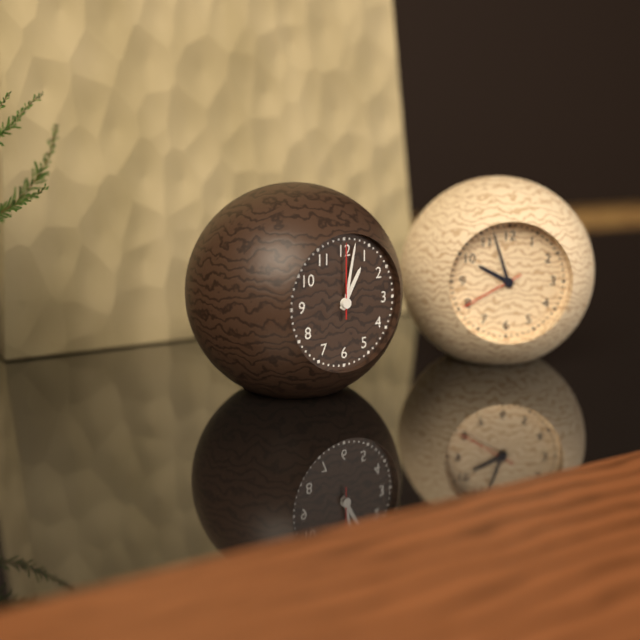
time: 1:02:00
